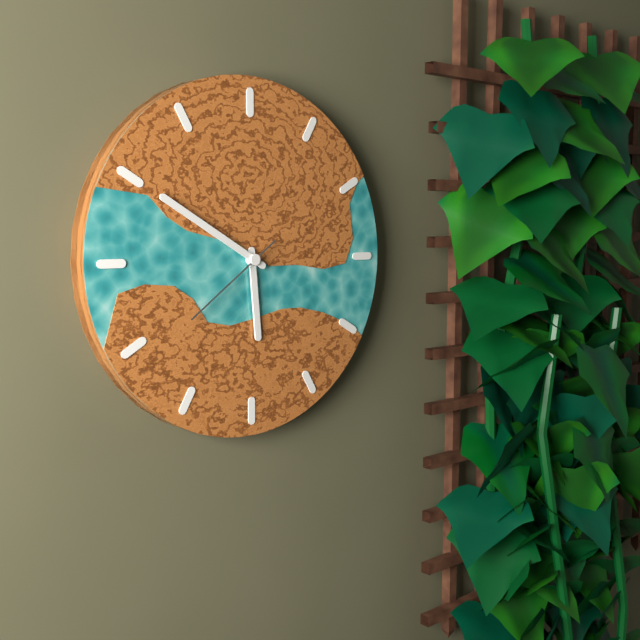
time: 5:50:39
